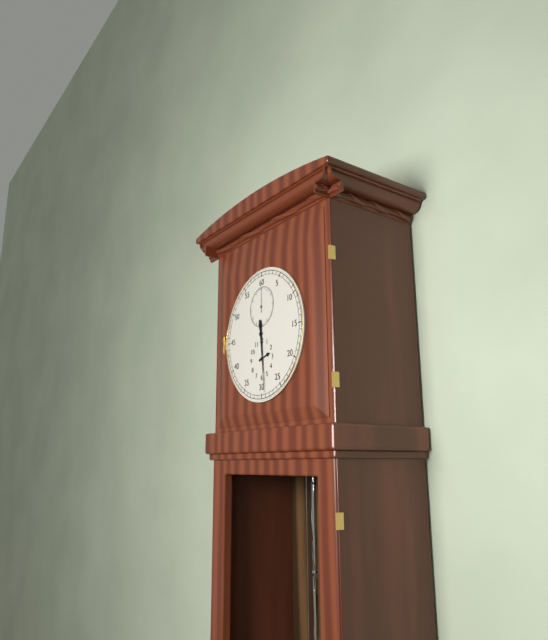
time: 2:29
